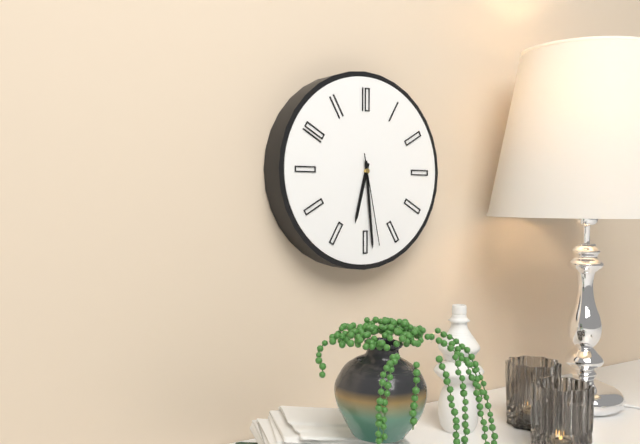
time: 6:29:28
